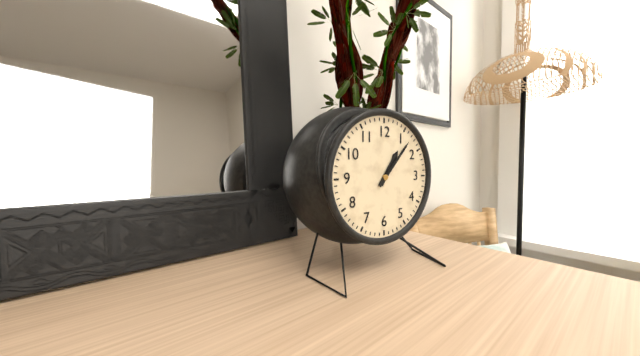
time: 1:07
